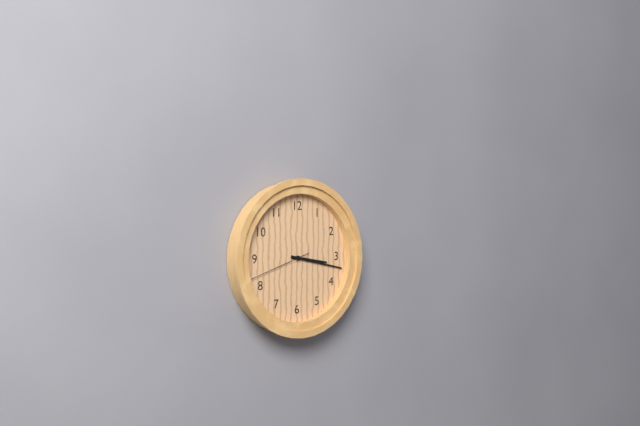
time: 3:17:42
